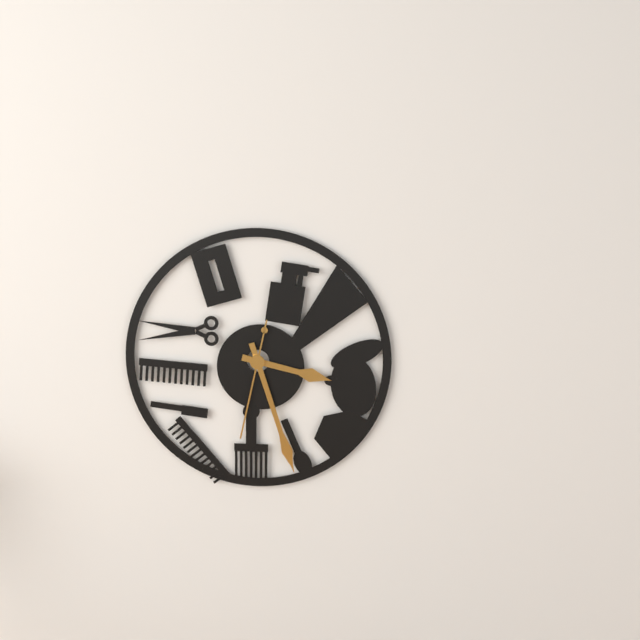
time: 3:27:32
